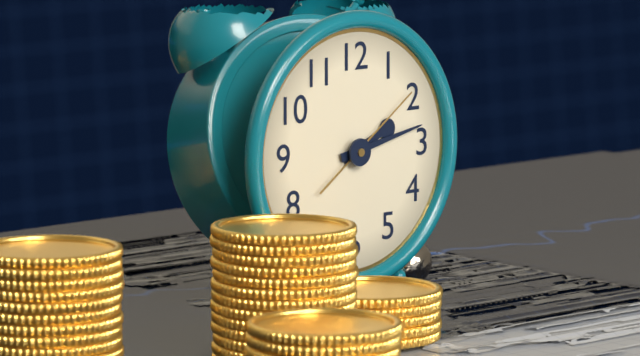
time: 2:13:09
